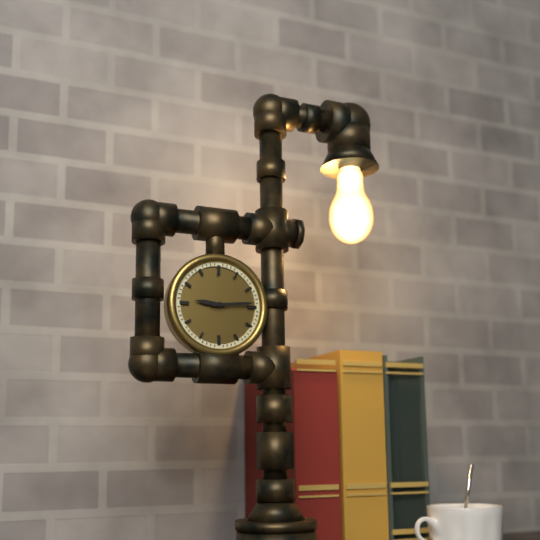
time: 9:14
